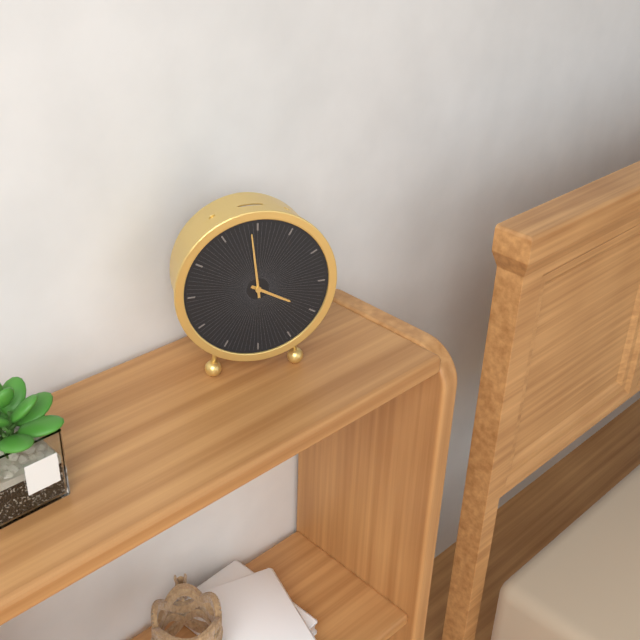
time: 3:59
